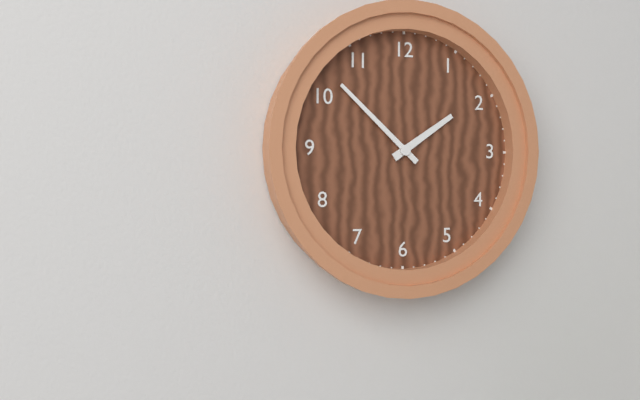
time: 1:52
